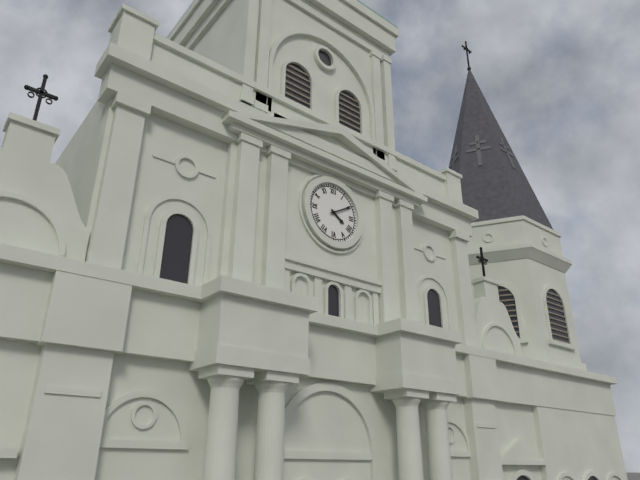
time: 4:10
